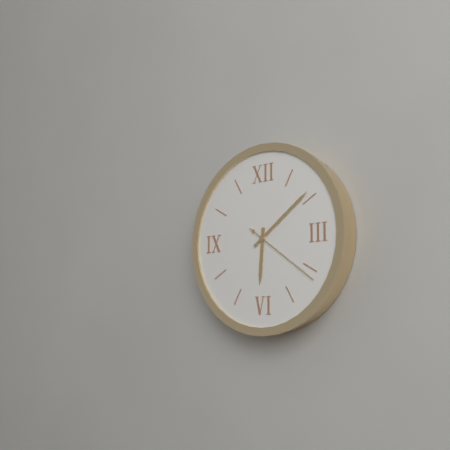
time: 6:09:21
